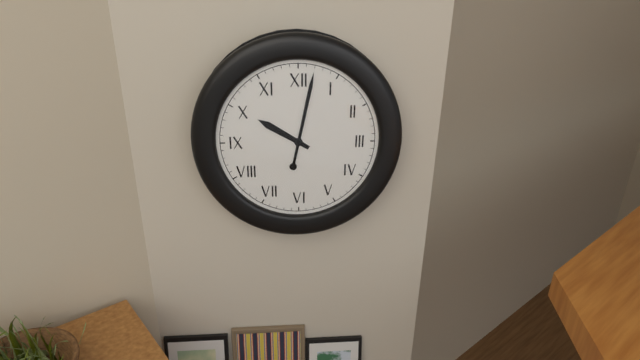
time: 10:02
